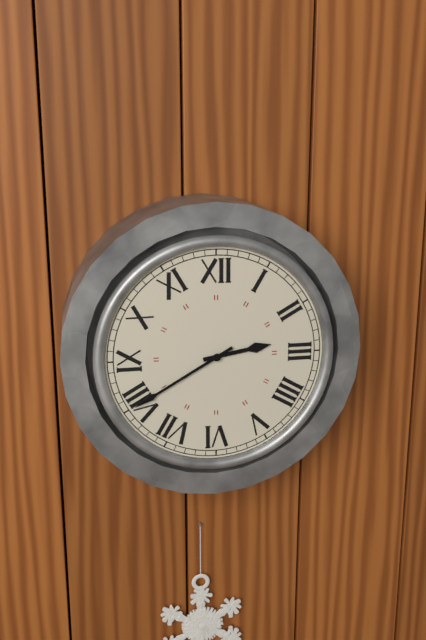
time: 2:40
